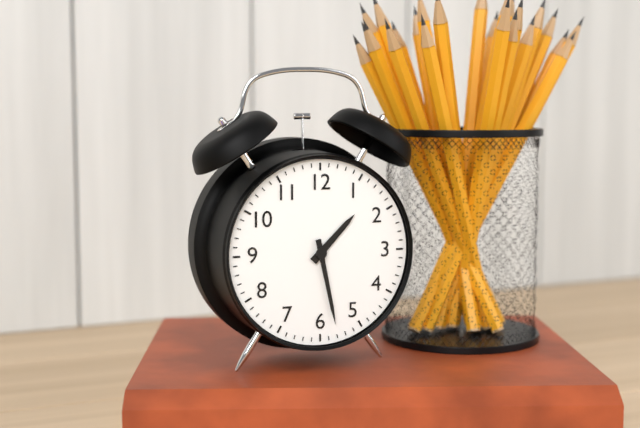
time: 1:28
